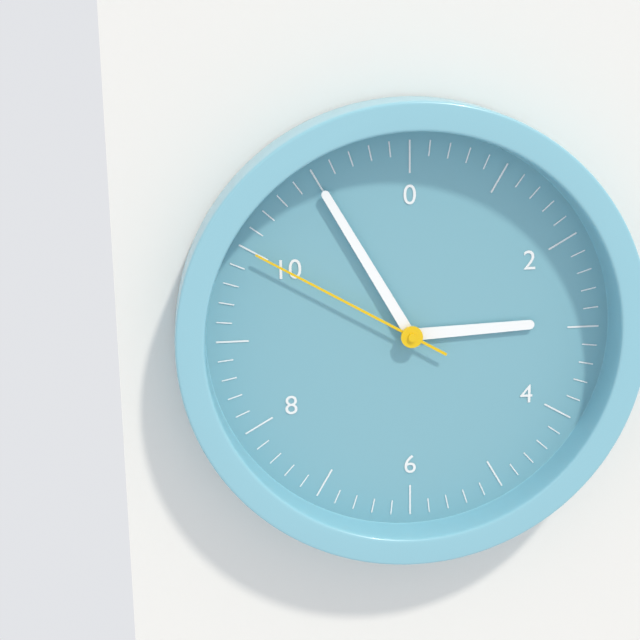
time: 2:55:50
